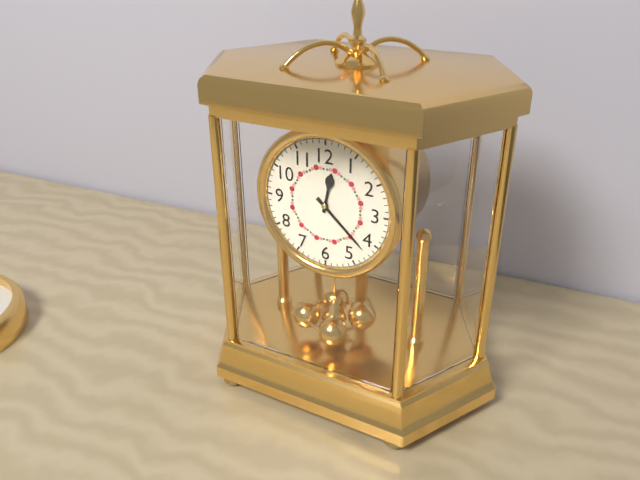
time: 12:22
